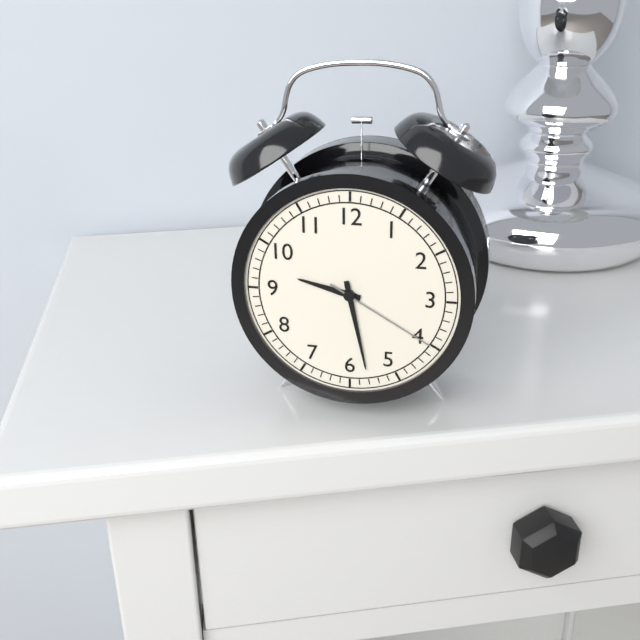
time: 9:28:20
